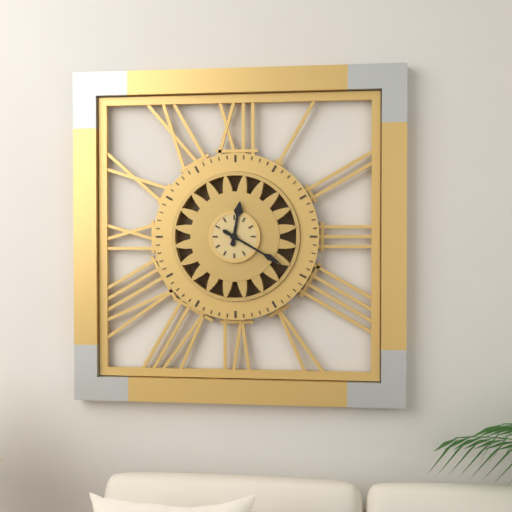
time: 12:20
